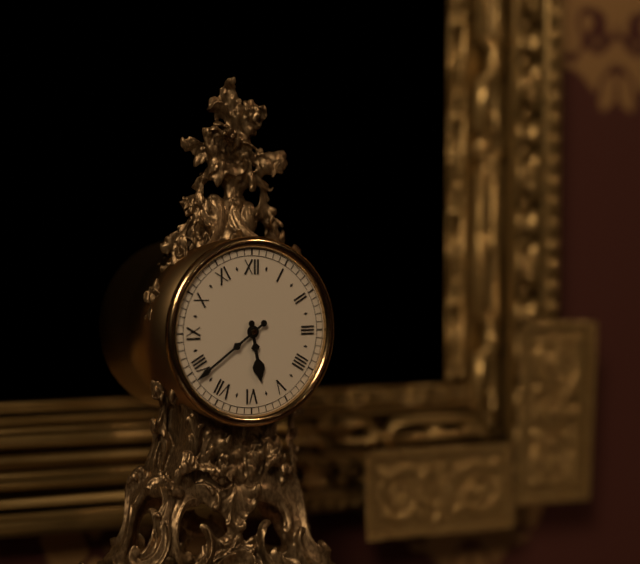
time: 5:39
